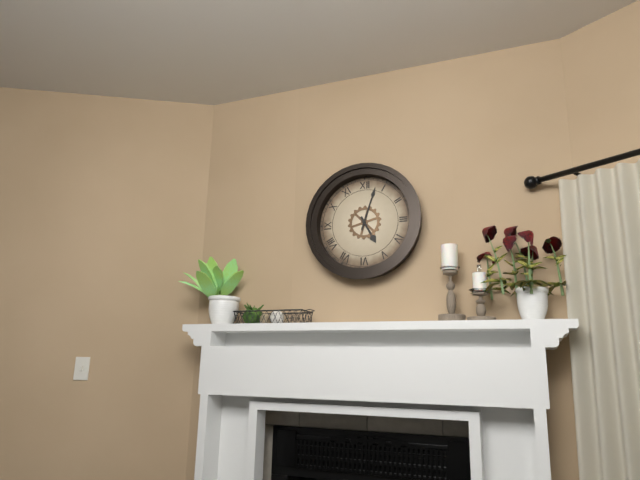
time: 5:03
